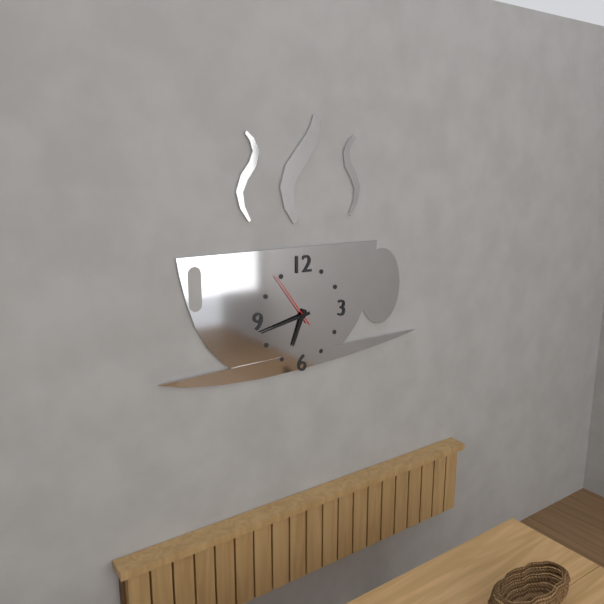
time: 6:43:54
